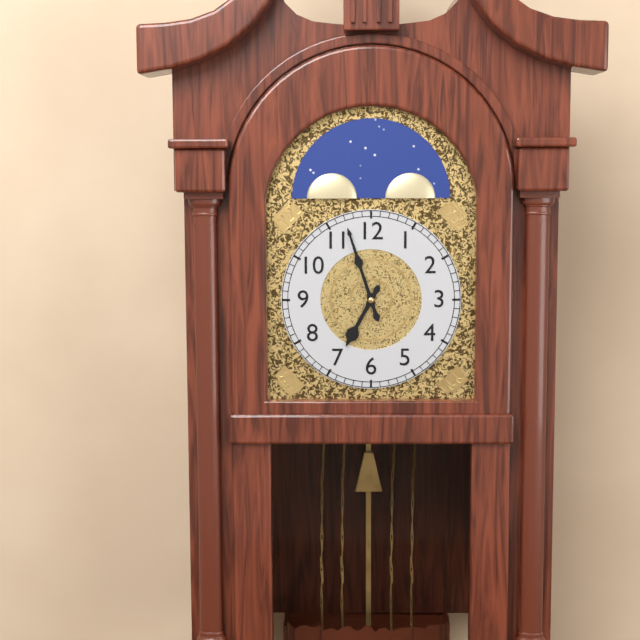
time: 6:57
